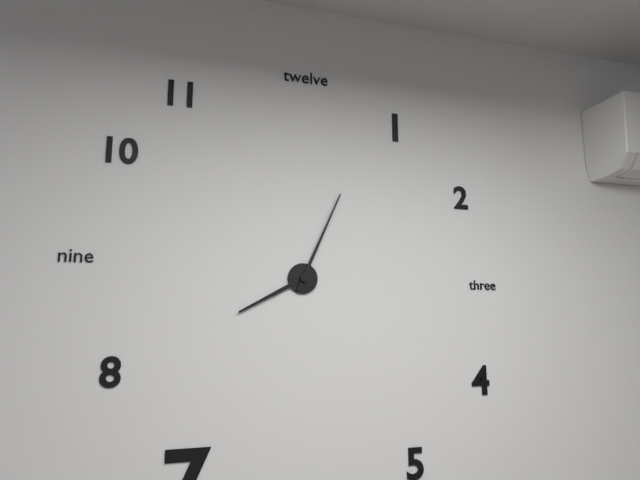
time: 8:04
